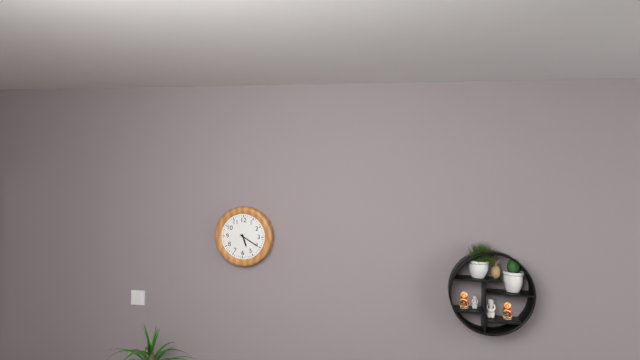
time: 5:20
